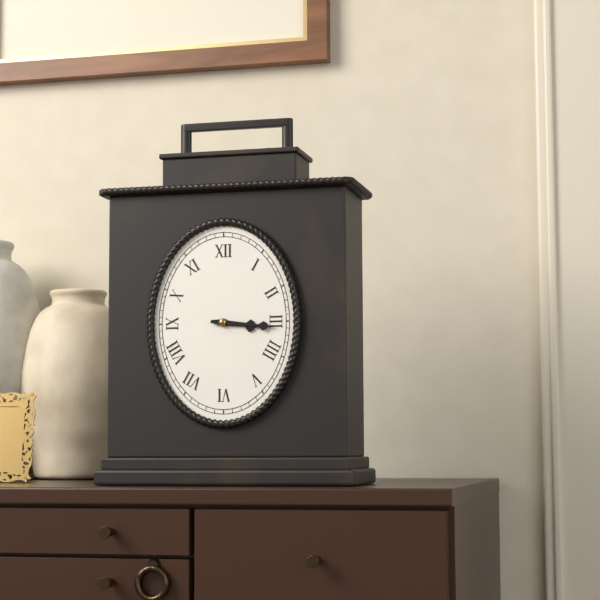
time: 3:16
